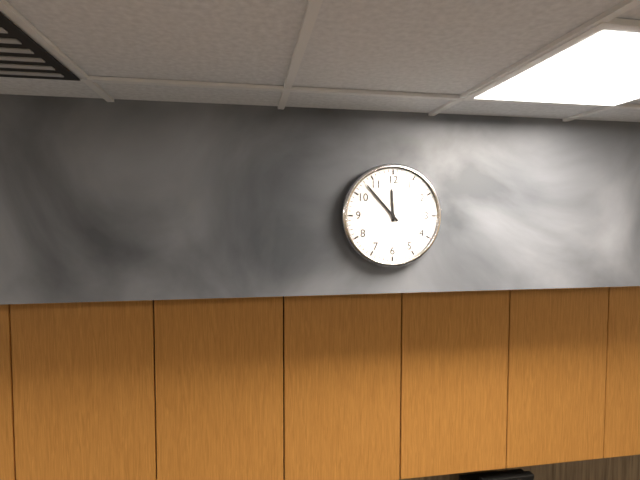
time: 11:53
